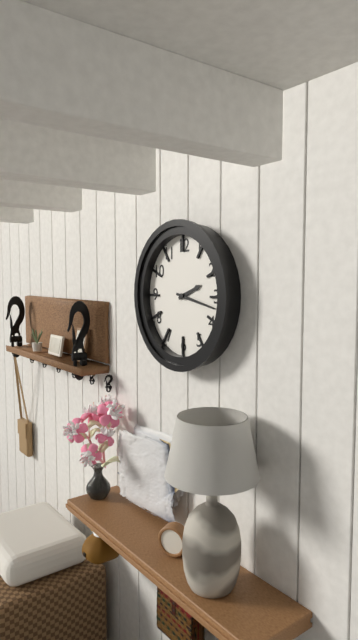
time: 2:17
